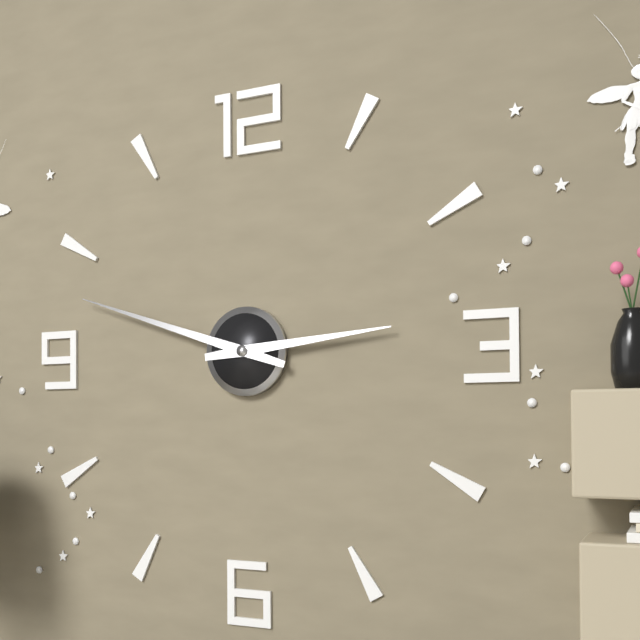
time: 2:48
